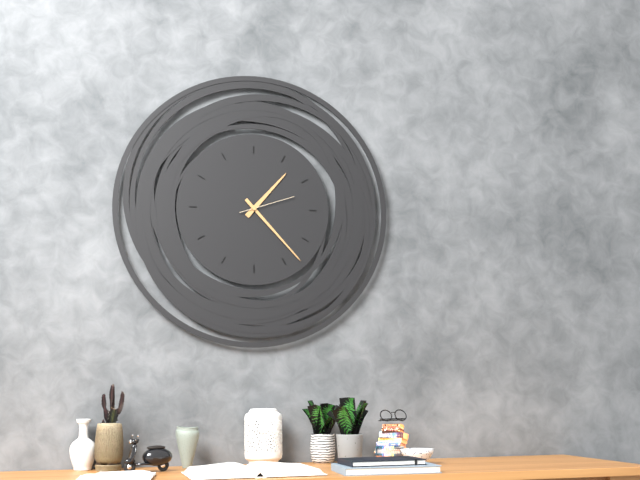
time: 1:23:12
